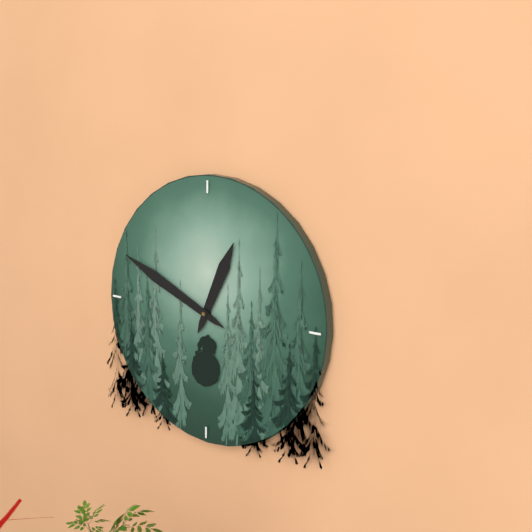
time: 12:49
